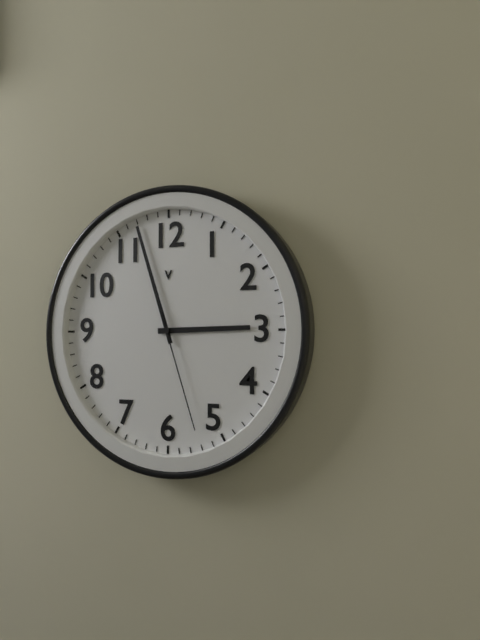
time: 2:57:27
